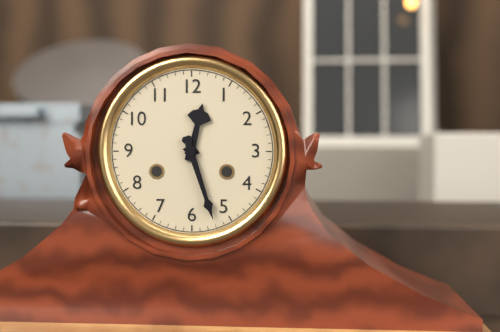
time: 12:27
